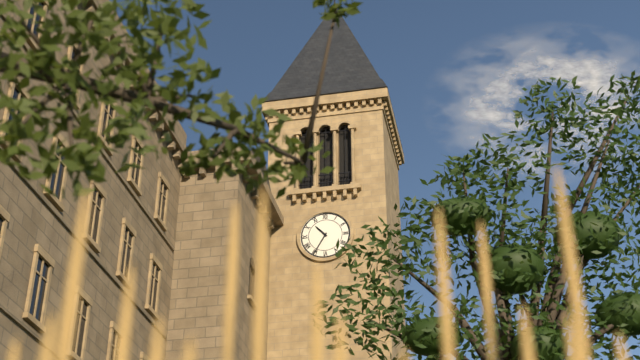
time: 10:35
